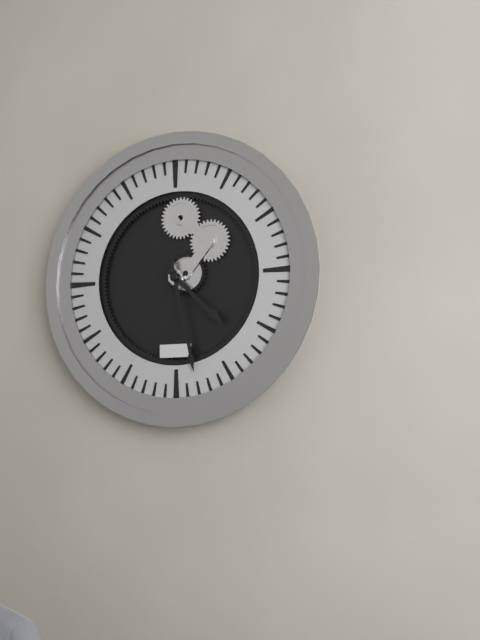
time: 4:28
